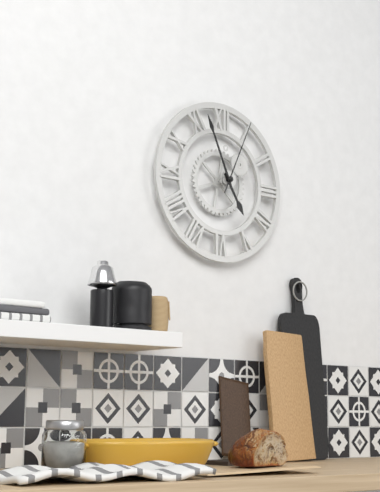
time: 4:56:04
